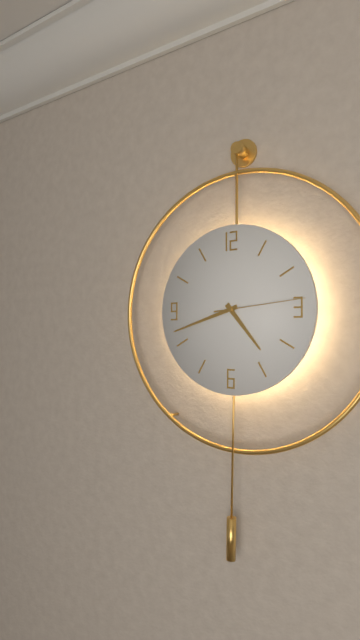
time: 4:42:14
